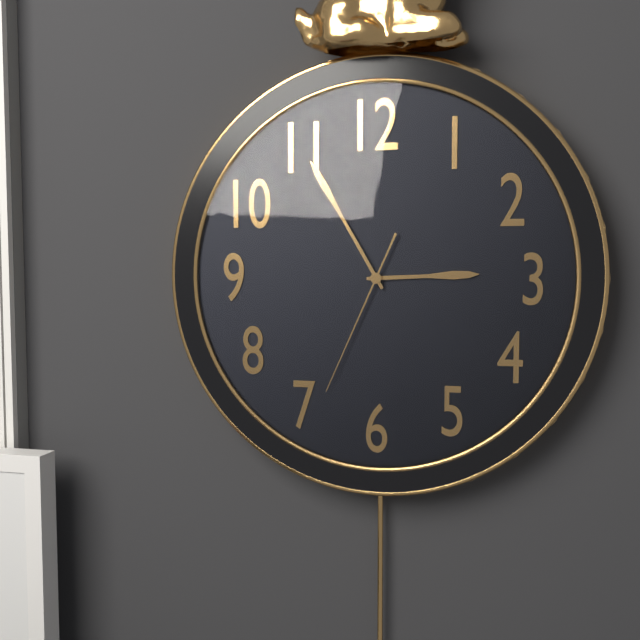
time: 2:55:34
